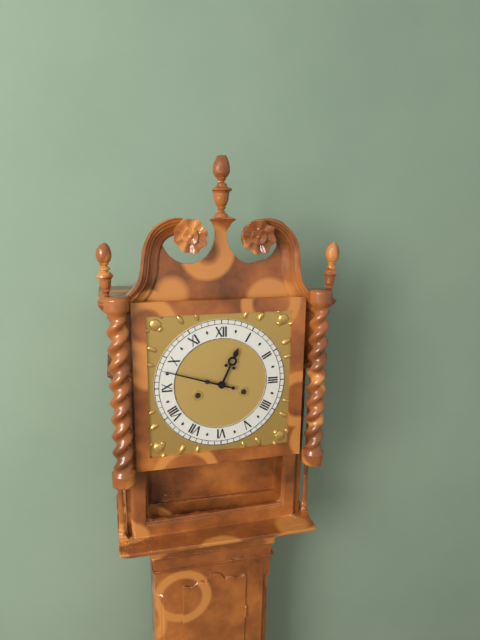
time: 12:48
